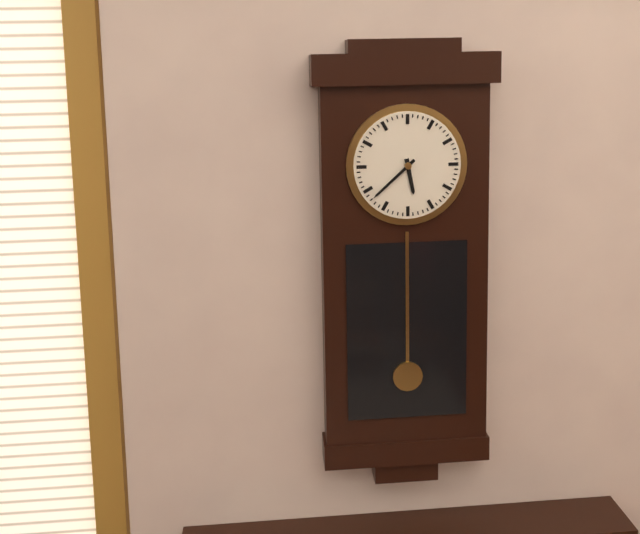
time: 5:38
